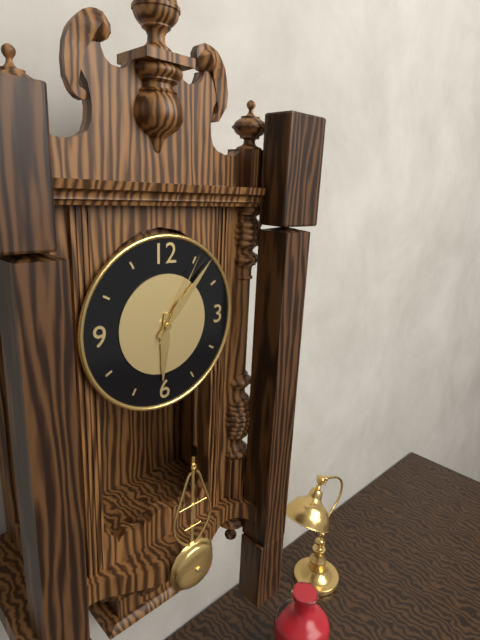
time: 6:07:05
